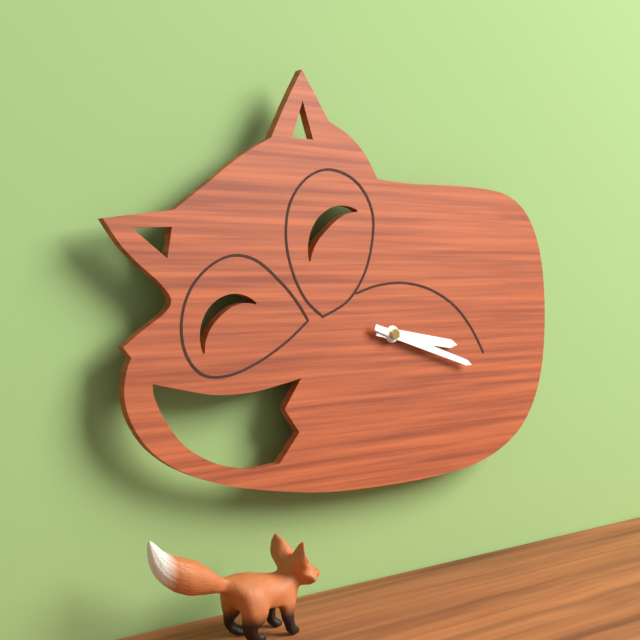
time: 3:18
